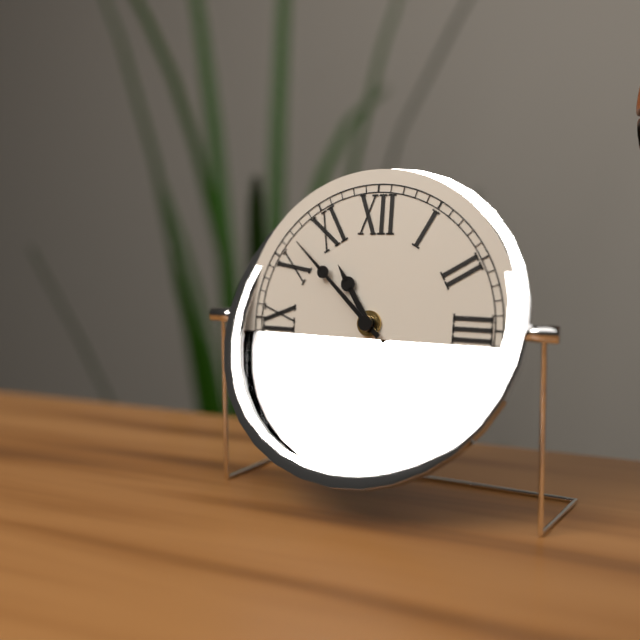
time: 10:52
